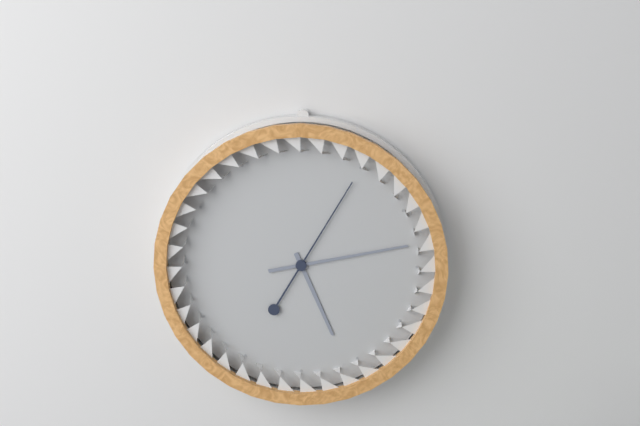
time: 5:13:05
